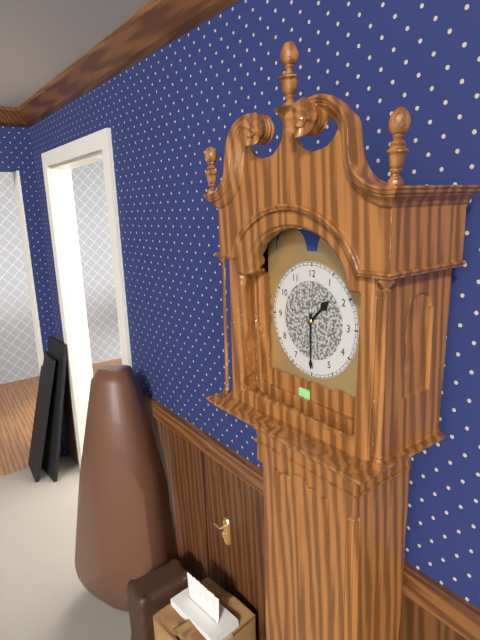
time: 1:30
